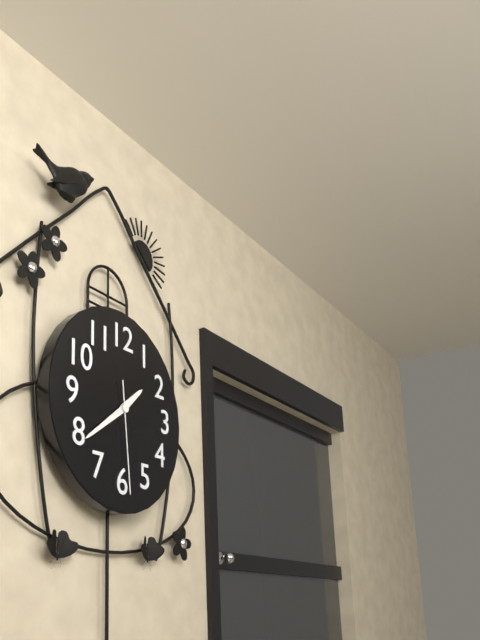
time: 1:39:29
